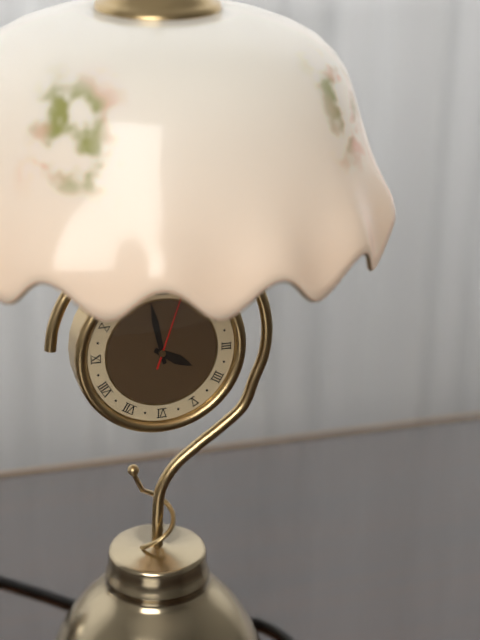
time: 3:58:03
